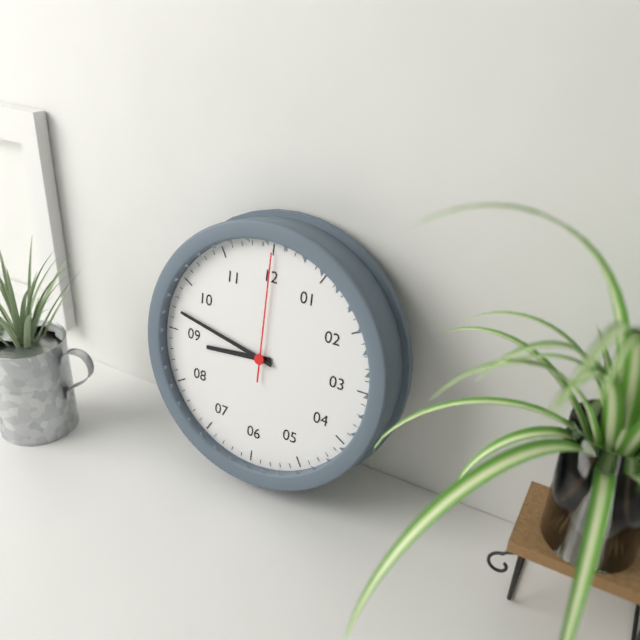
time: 8:47:00
